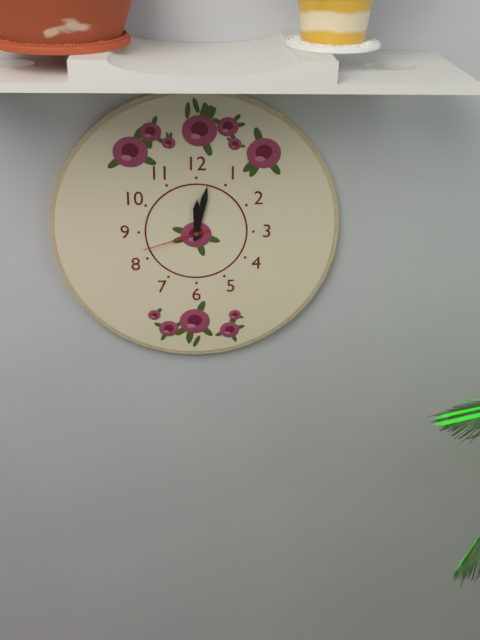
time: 12:02:42
